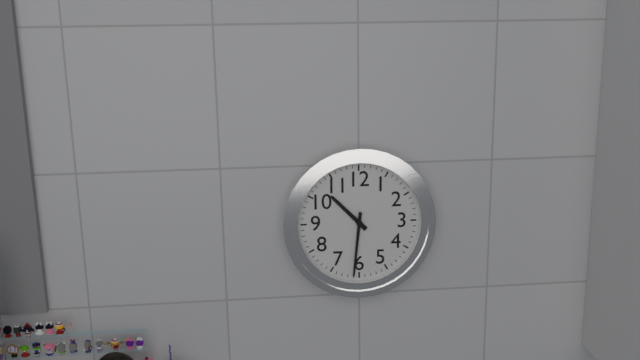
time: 10:31
